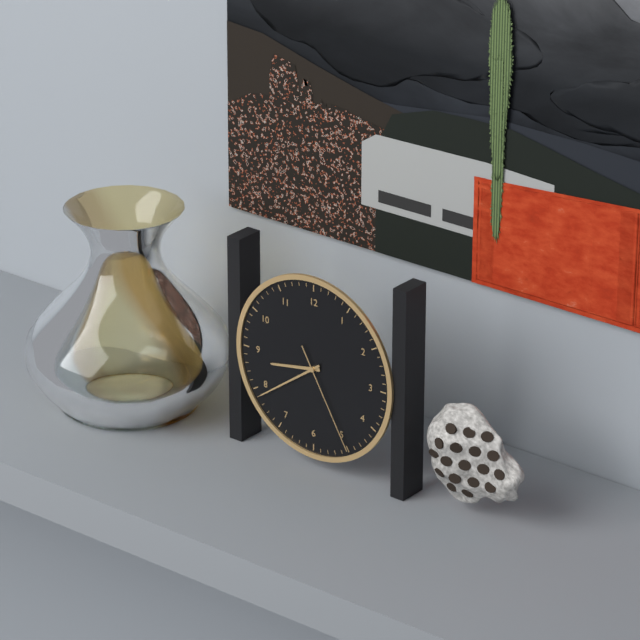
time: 8:39:25
